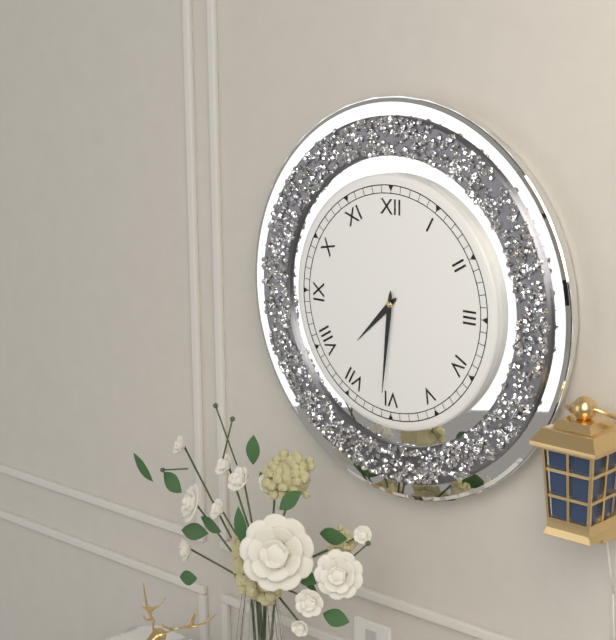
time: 7:31
